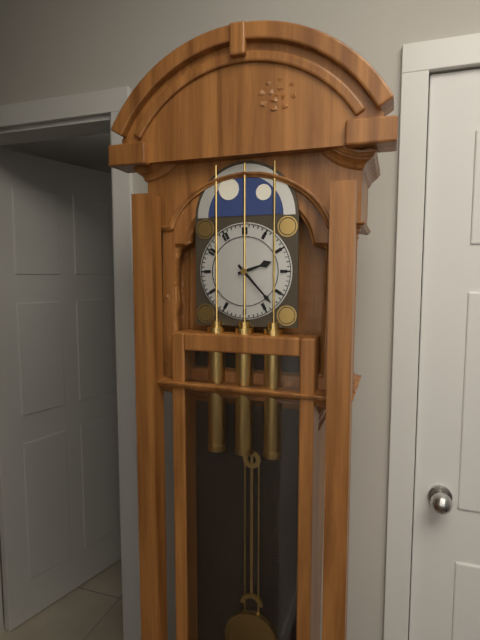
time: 2:23
